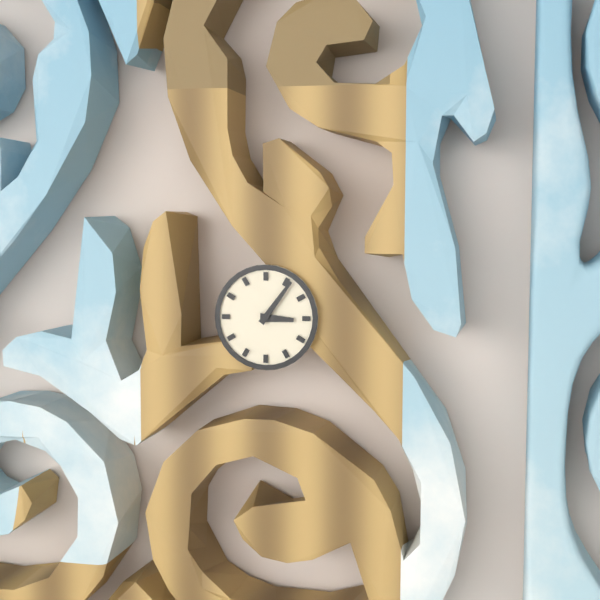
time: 3:06
